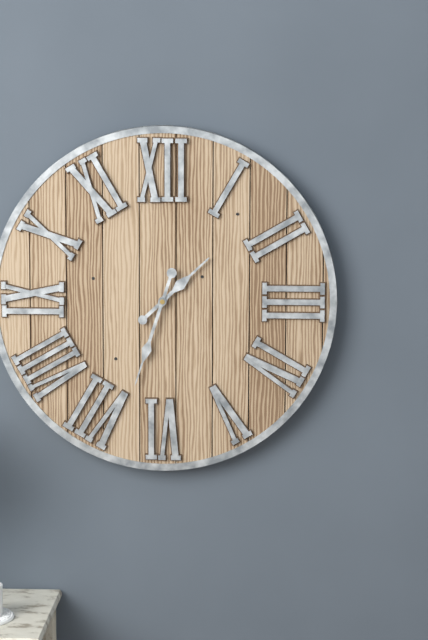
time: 1:33
